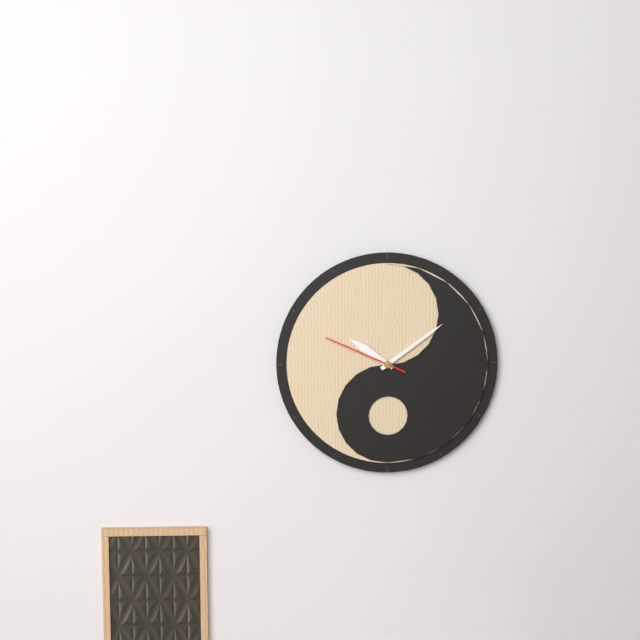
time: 10:09:49
